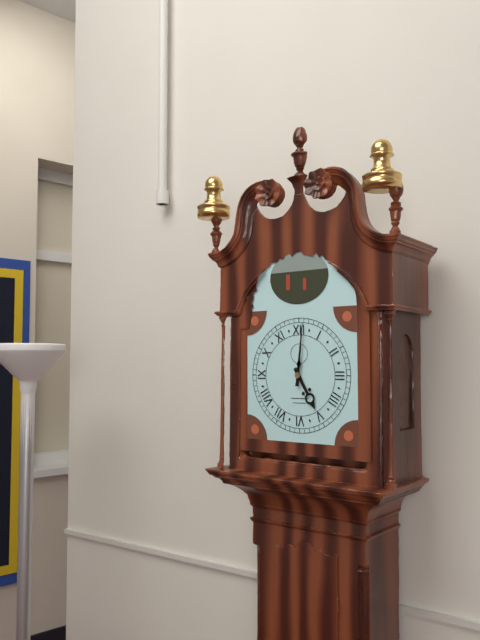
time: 5:01
